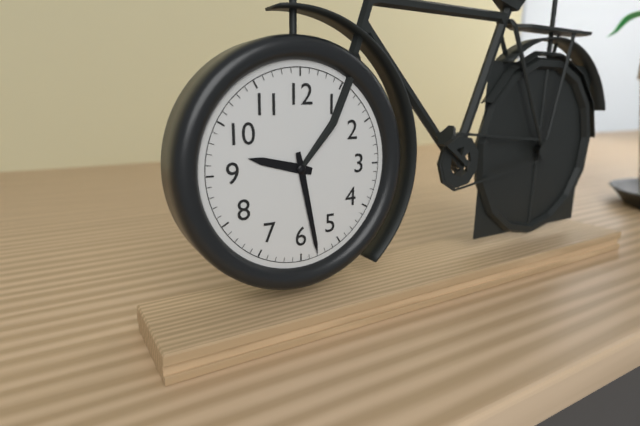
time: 9:28
